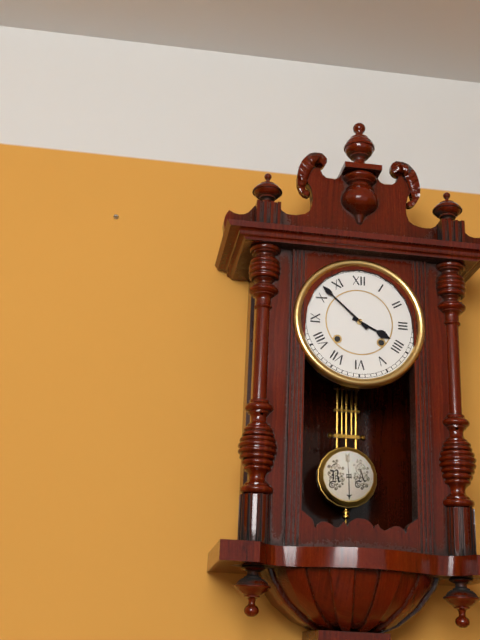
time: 3:52
